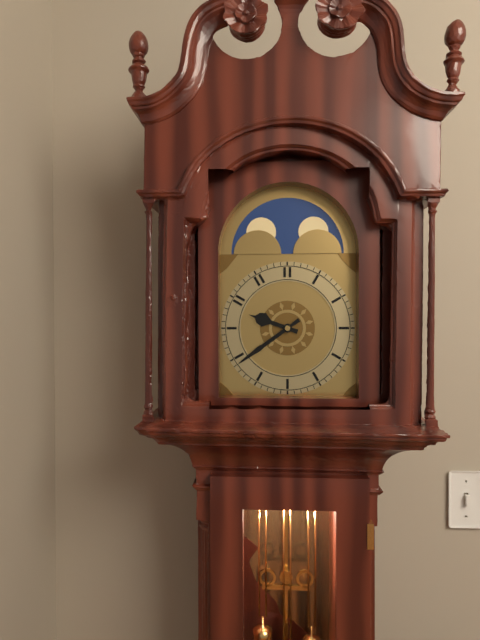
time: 9:39
